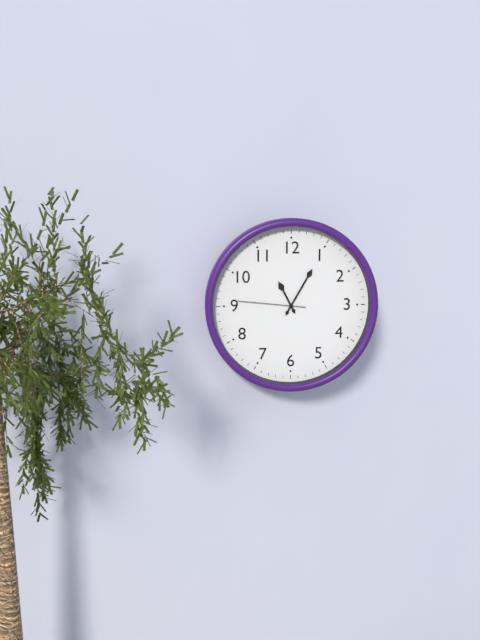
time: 11:05:46
